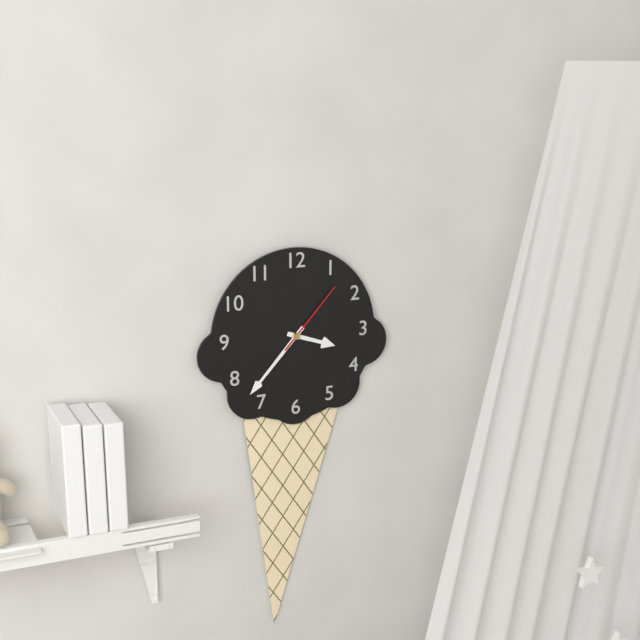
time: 3:37:07
